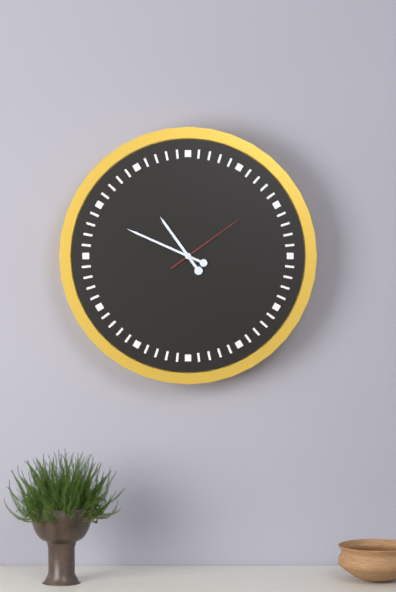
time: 10:49:09
